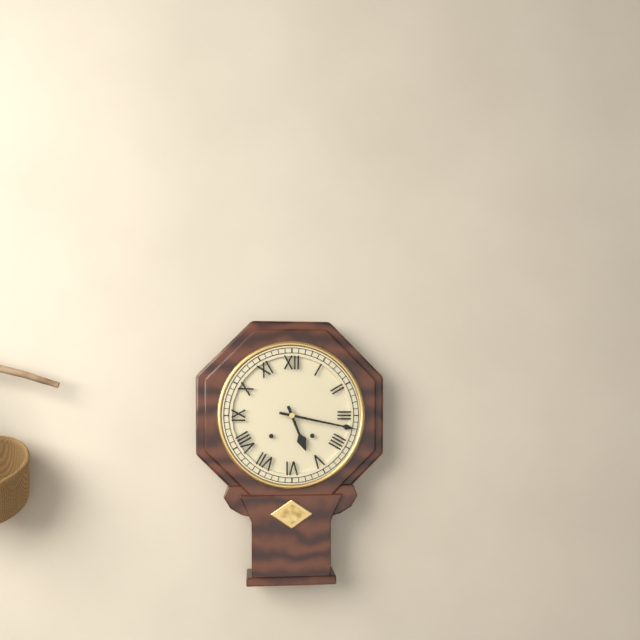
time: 5:17
